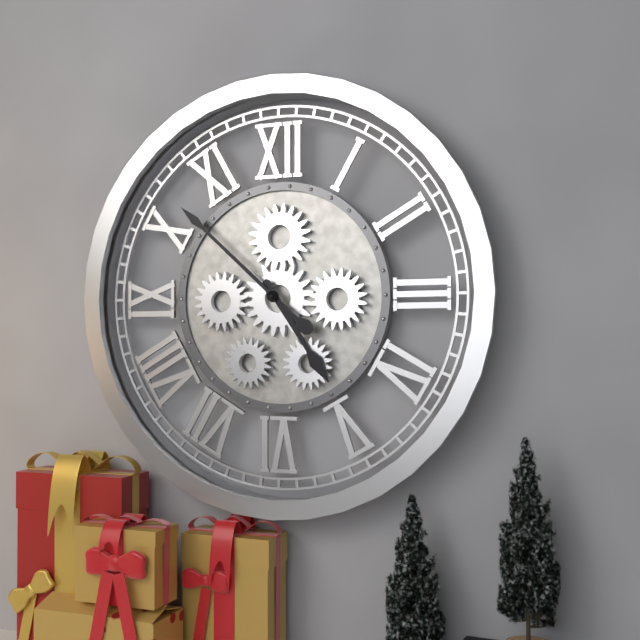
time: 4:52
